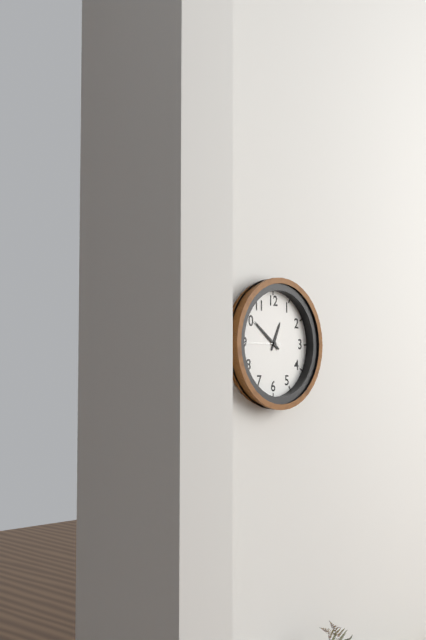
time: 12:51
